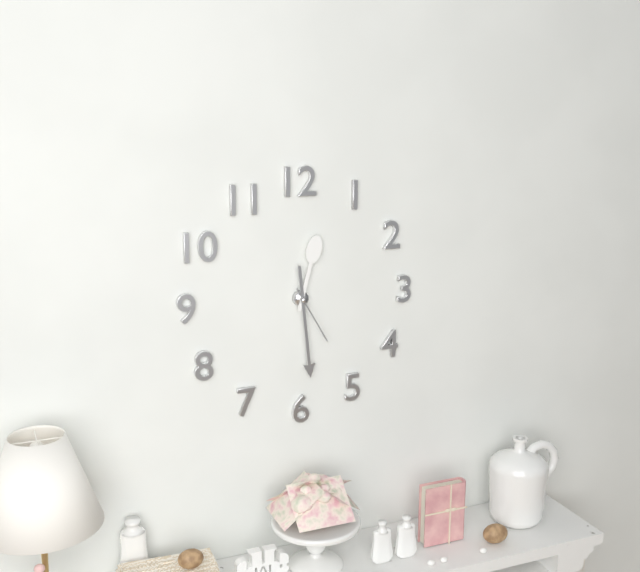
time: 12:29:25
